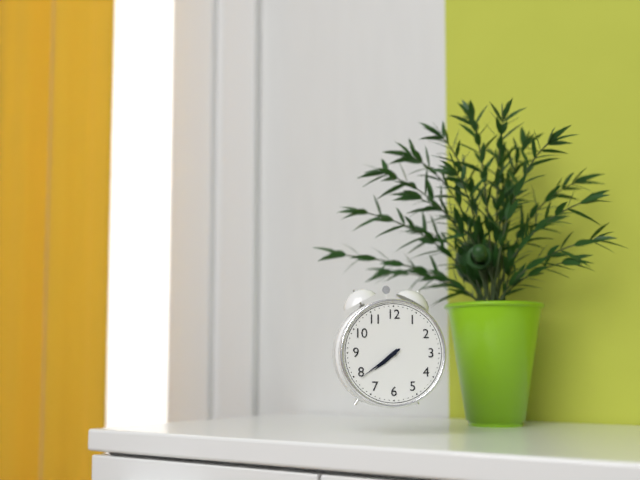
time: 7:39
